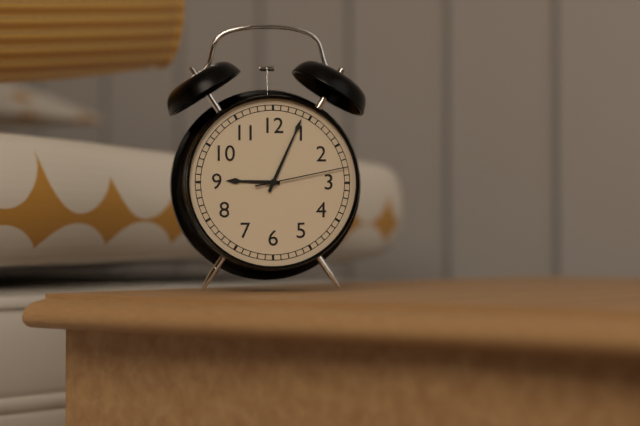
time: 9:04:13
